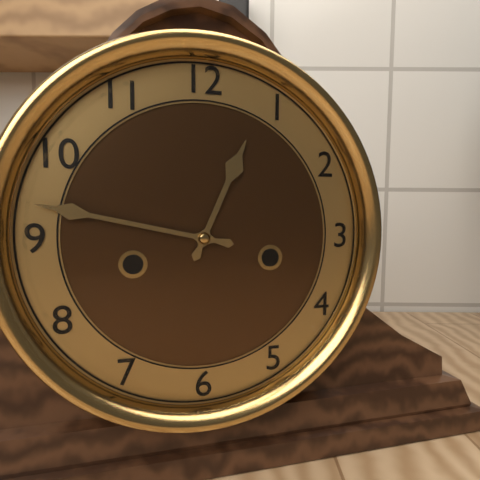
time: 12:47
